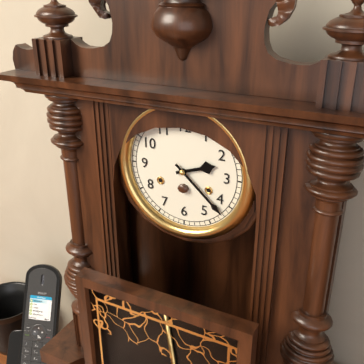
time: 2:22
